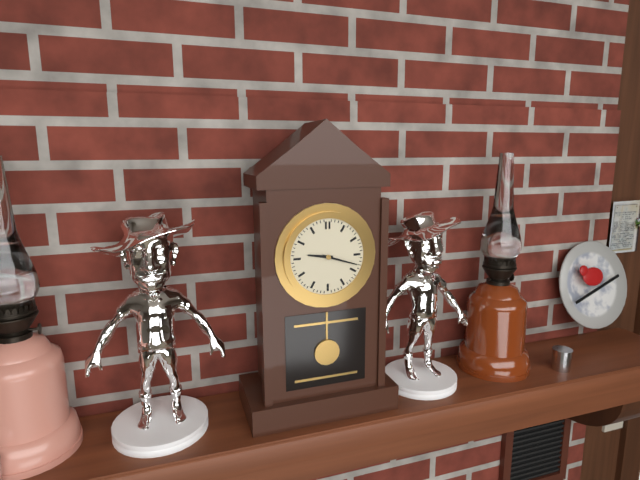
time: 9:18
